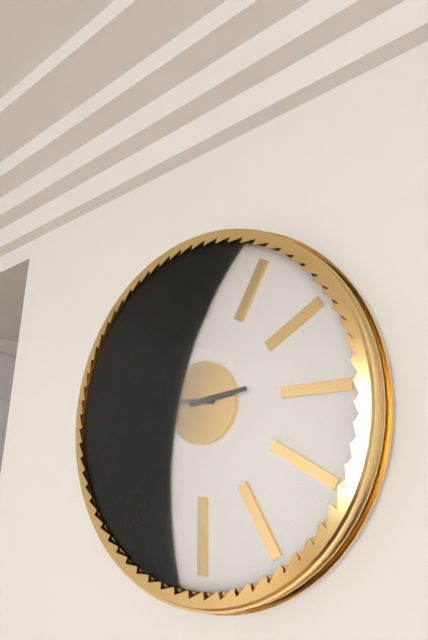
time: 2:46
